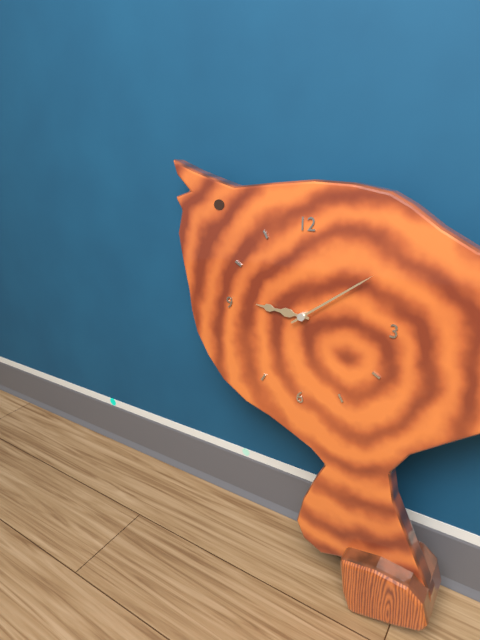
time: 9:09
